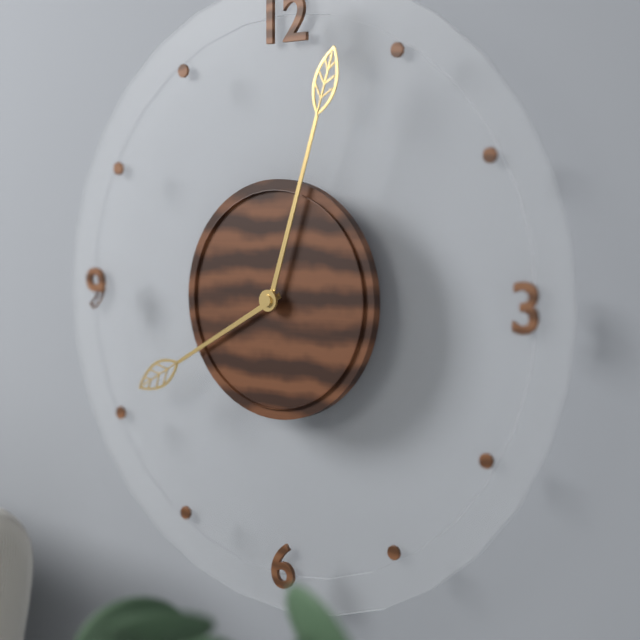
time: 8:03
